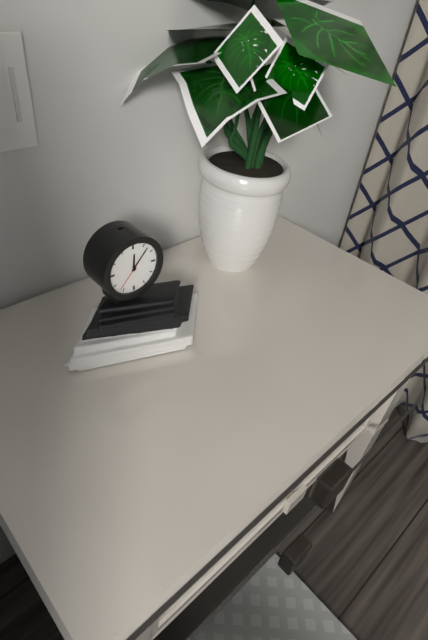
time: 12:07
